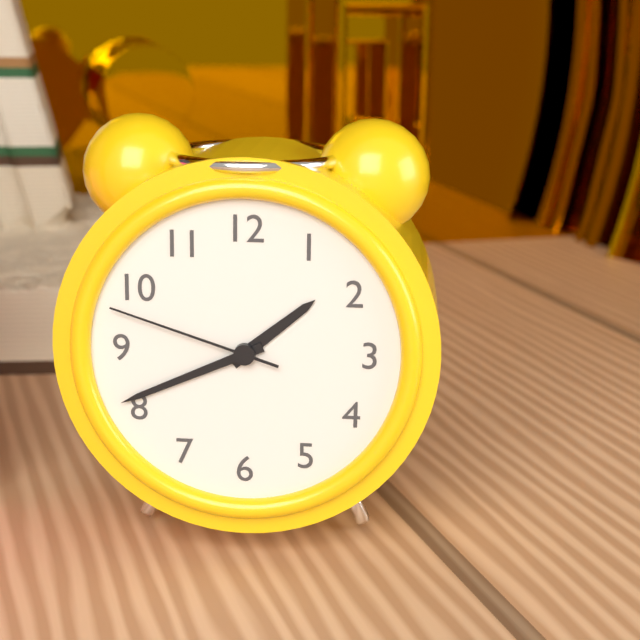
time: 1:41:48
